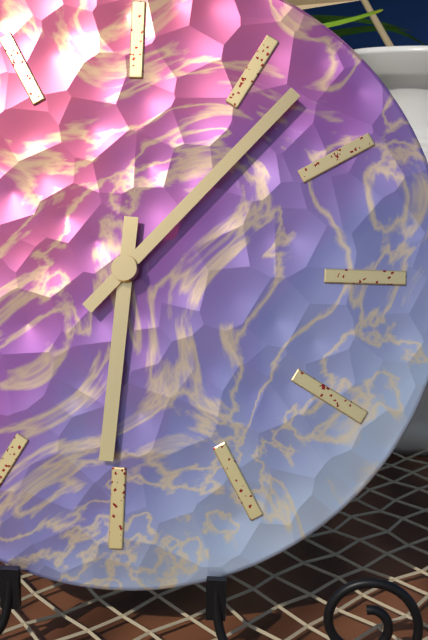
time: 6:07
